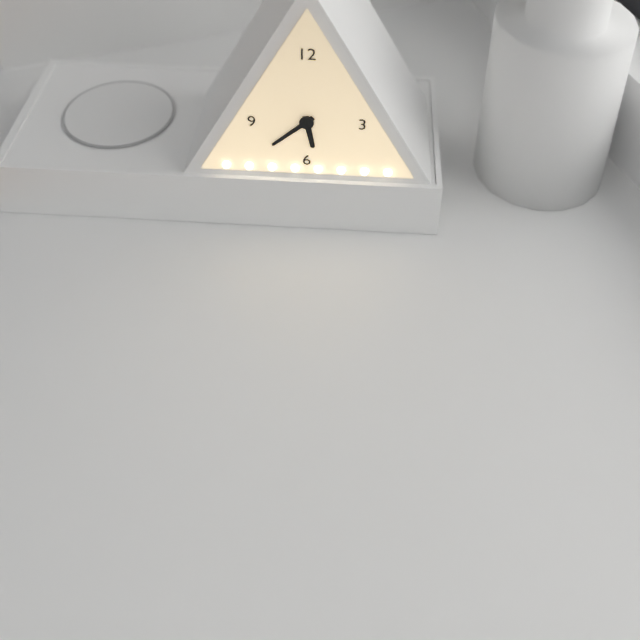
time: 5:38
